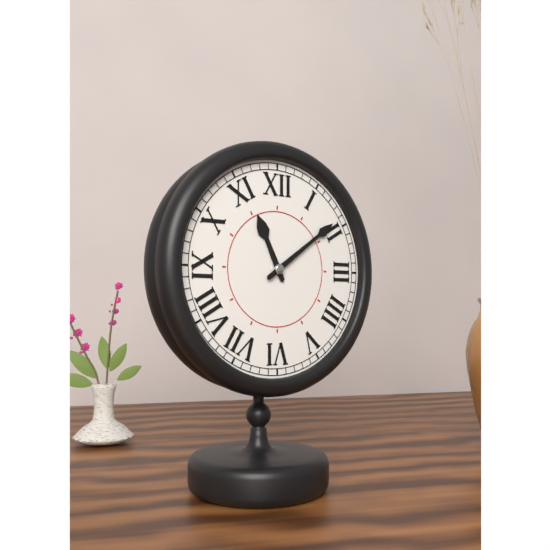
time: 11:09
